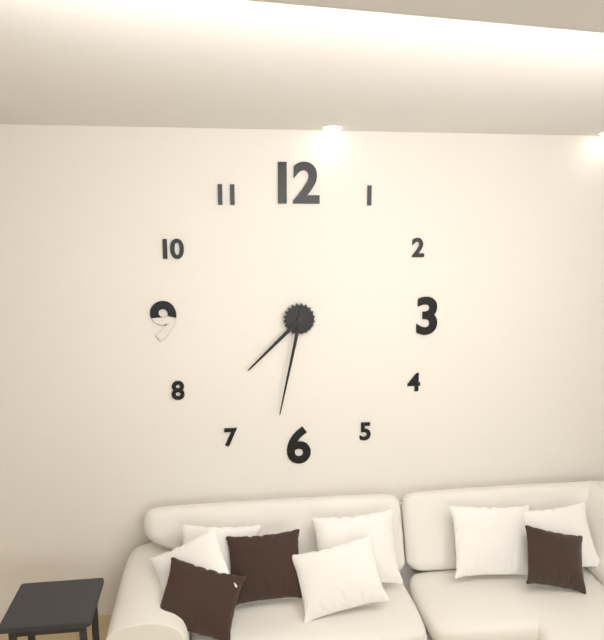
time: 7:32
